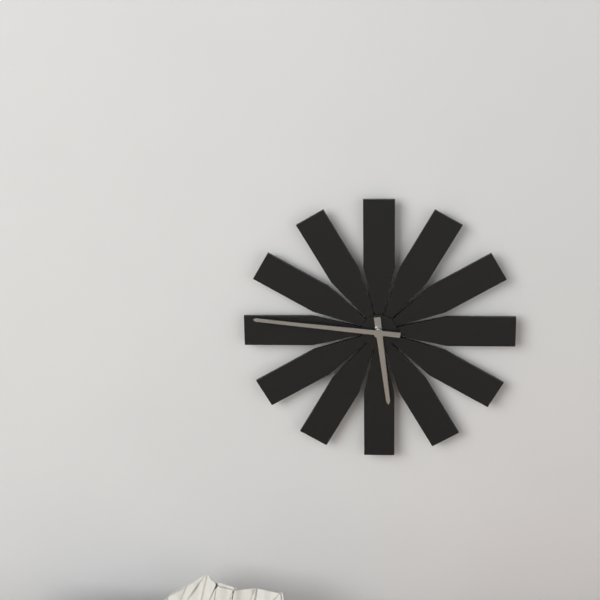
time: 5:46
